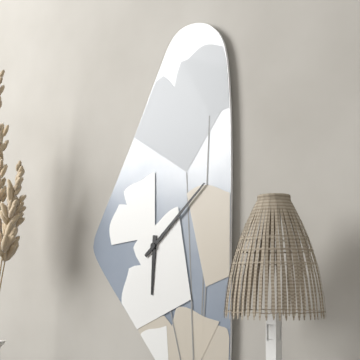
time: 6:08
